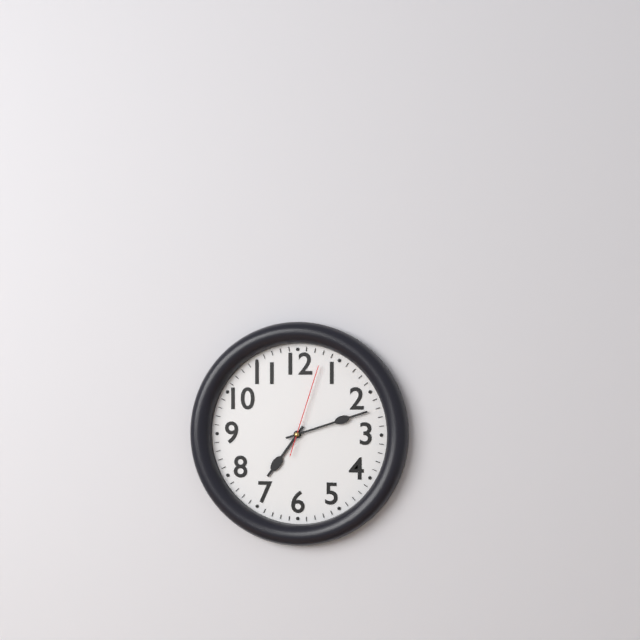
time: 7:12:03
